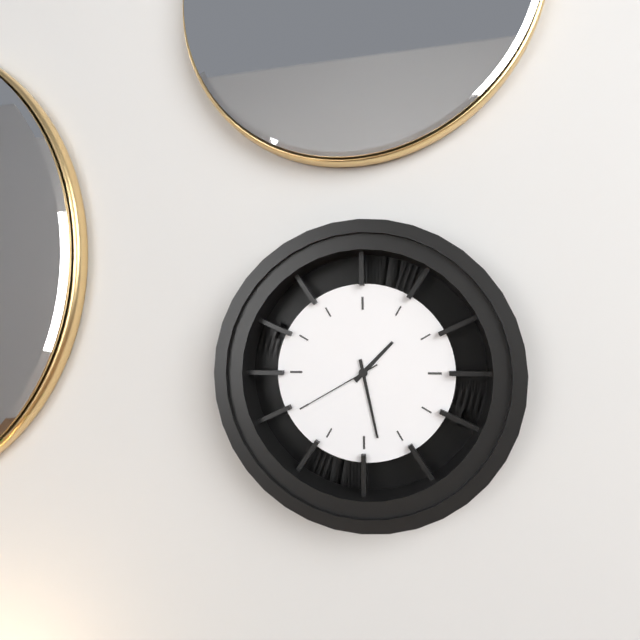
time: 1:28:40
